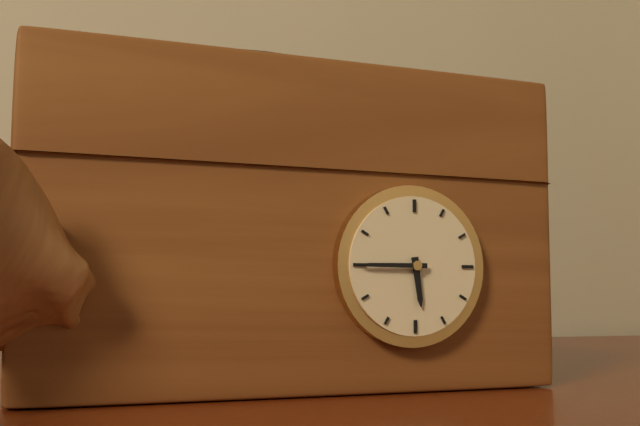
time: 5:45
